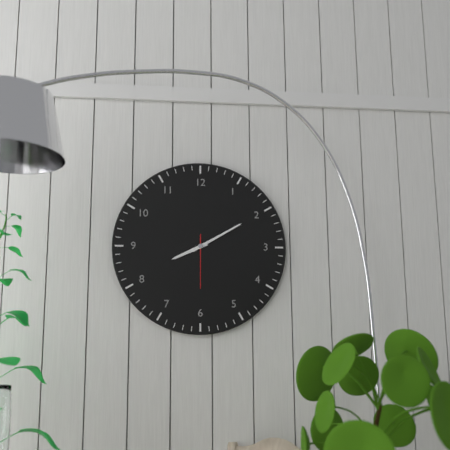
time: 8:10:30
